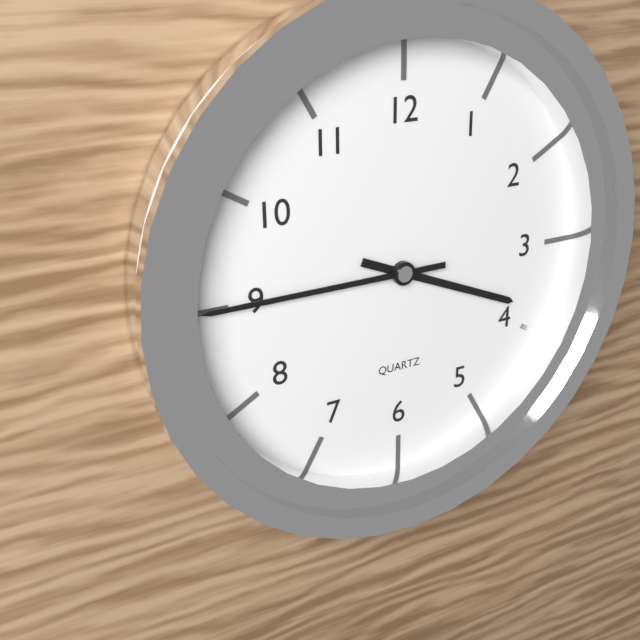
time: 3:45
